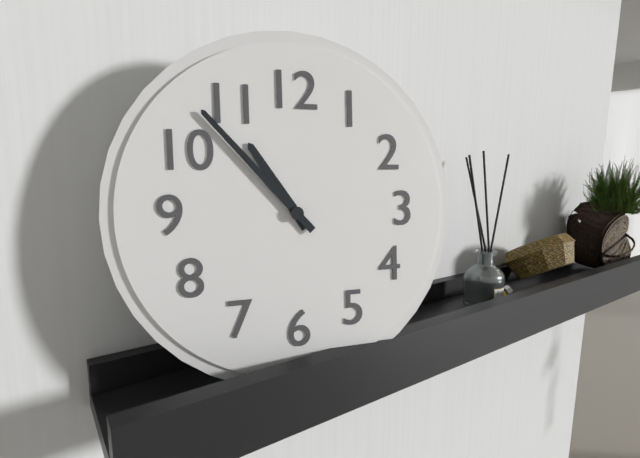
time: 10:53
